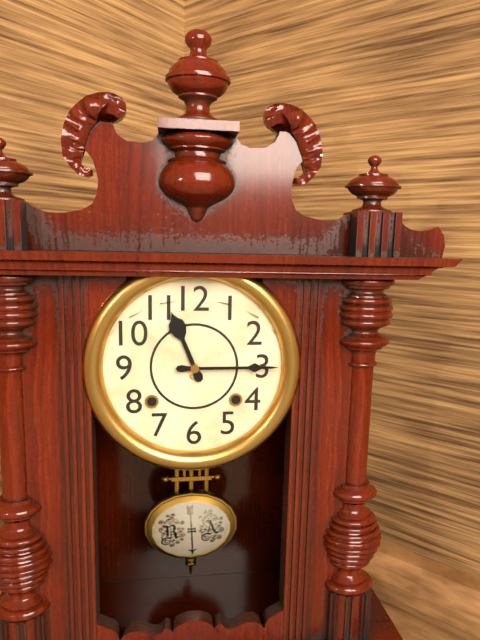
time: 11:15
